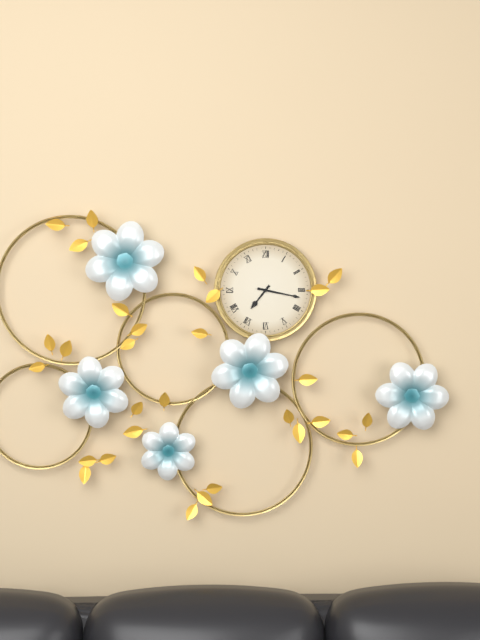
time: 7:17
